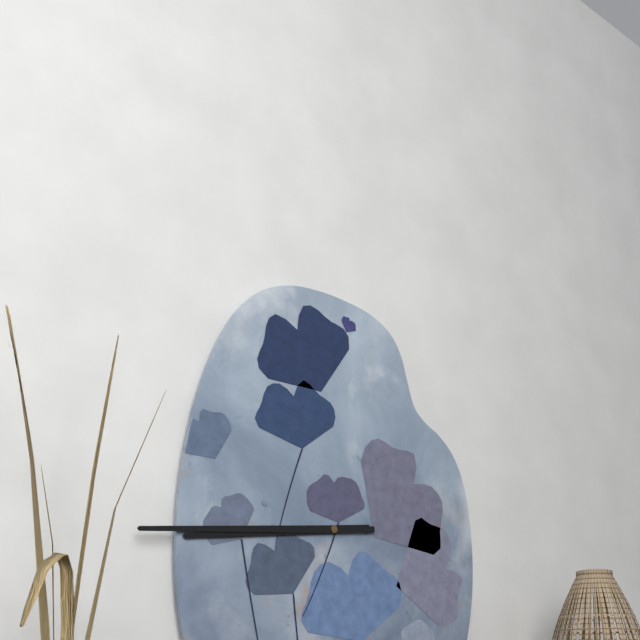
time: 8:44
